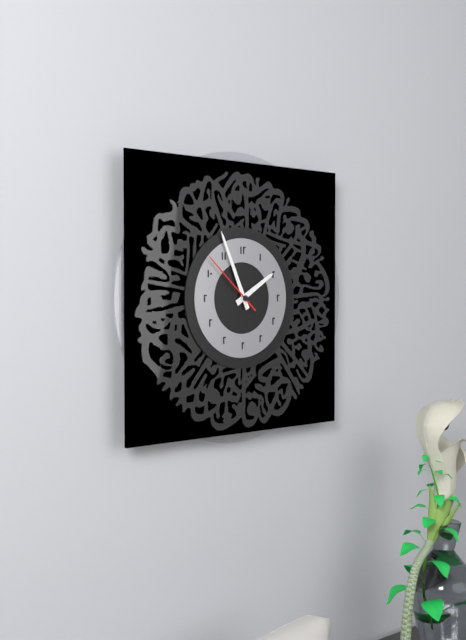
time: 1:56:52
